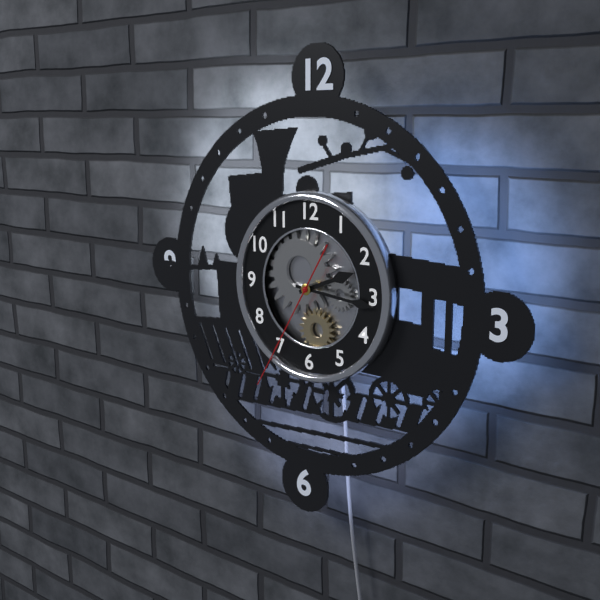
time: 2:16:35
